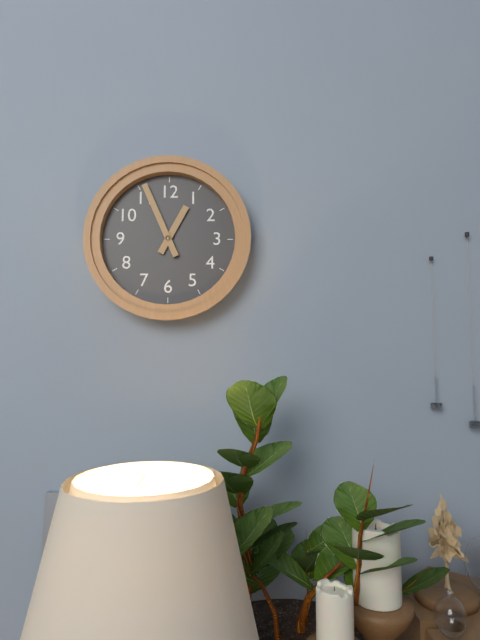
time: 12:56
